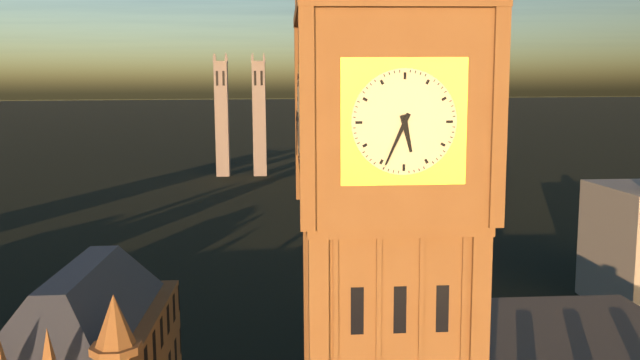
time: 5:34
